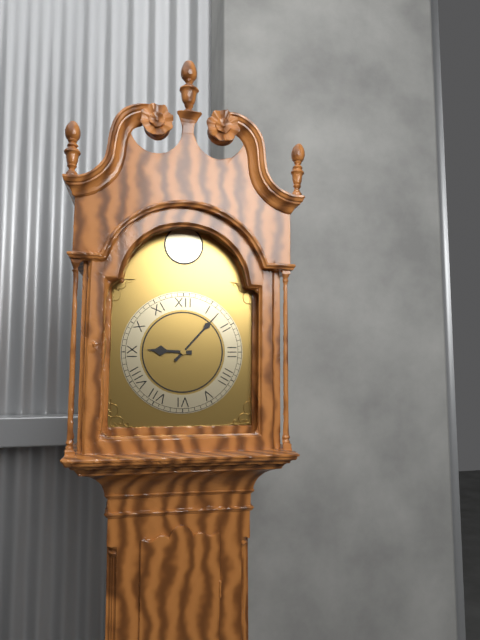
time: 9:07
